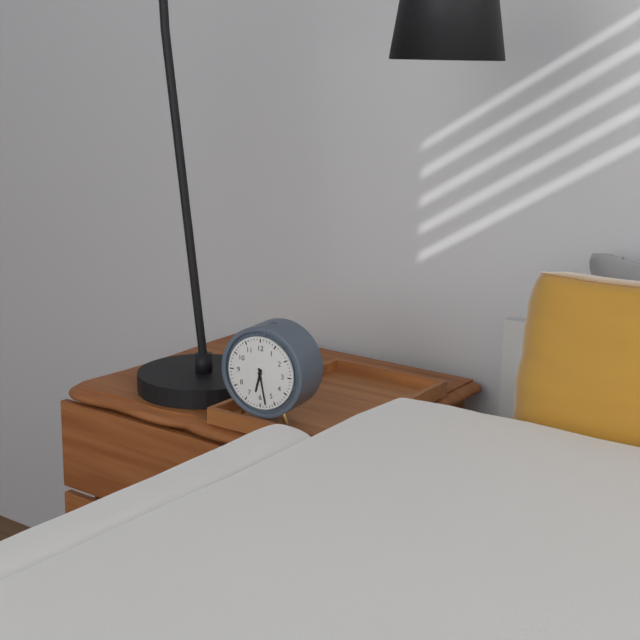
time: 6:28
